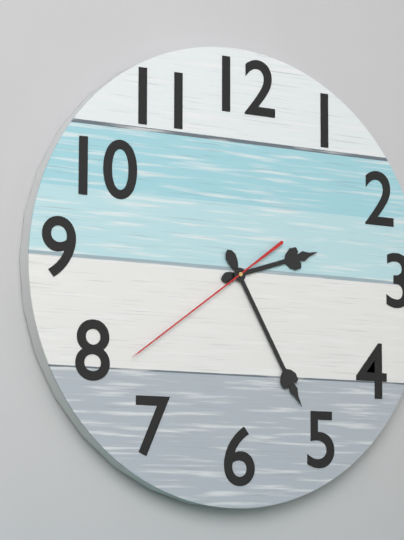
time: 2:25:39
